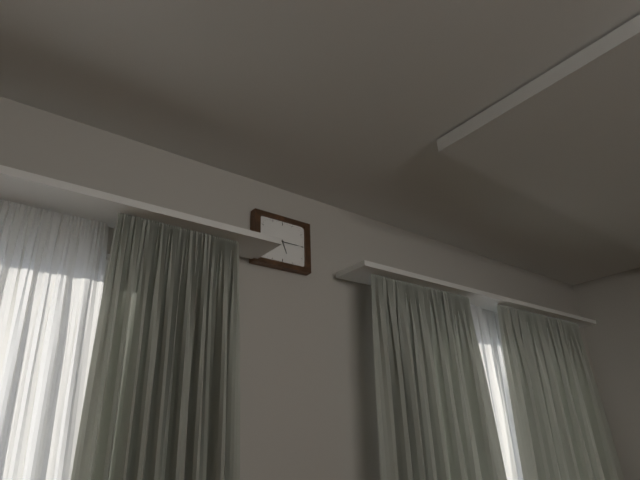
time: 5:15
